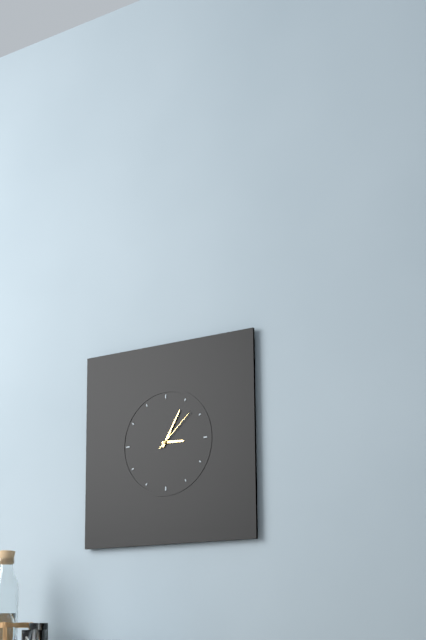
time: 3:05
